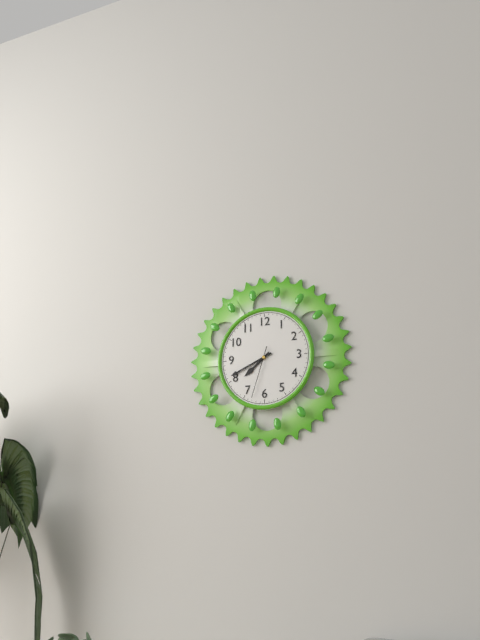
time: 7:41:33
